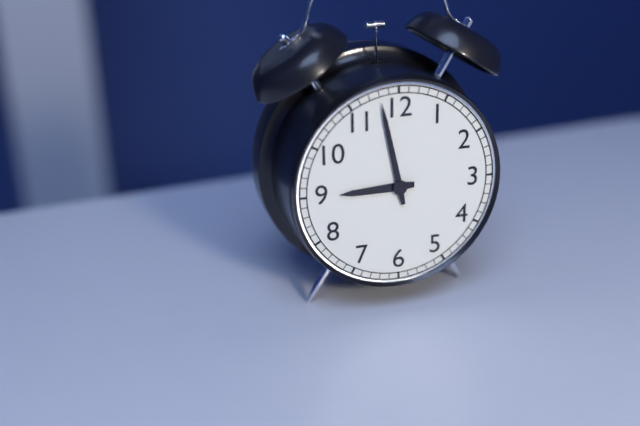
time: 8:58
